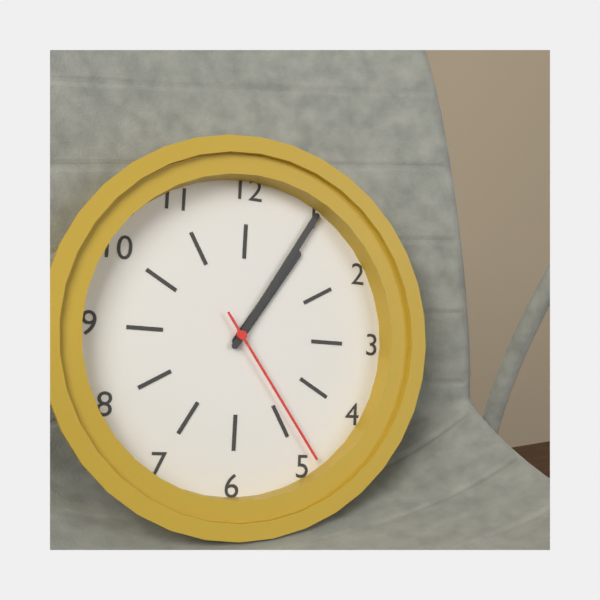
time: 1:05:24
